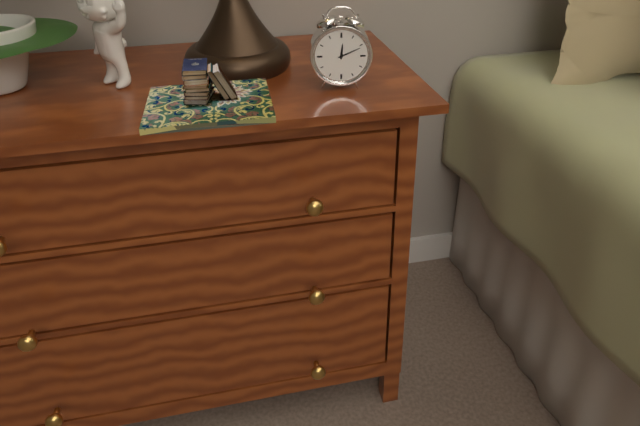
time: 12:11
